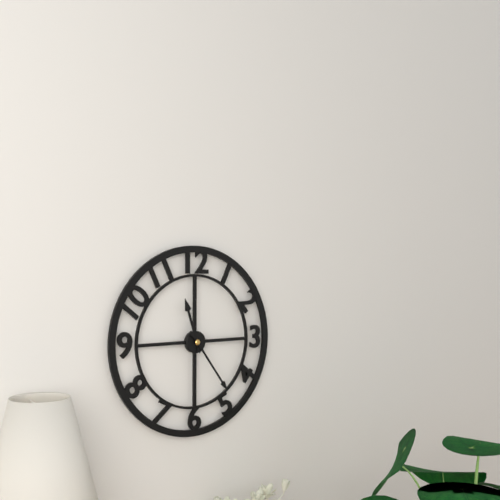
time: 11:24
